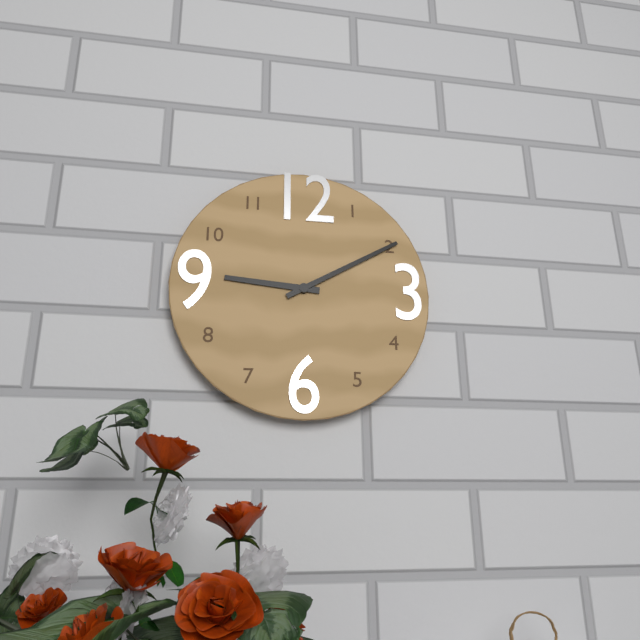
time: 9:10
